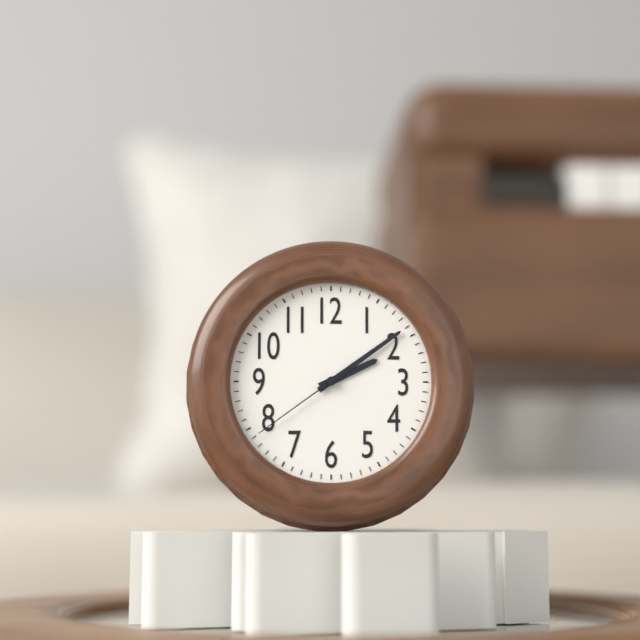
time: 2:09:39
